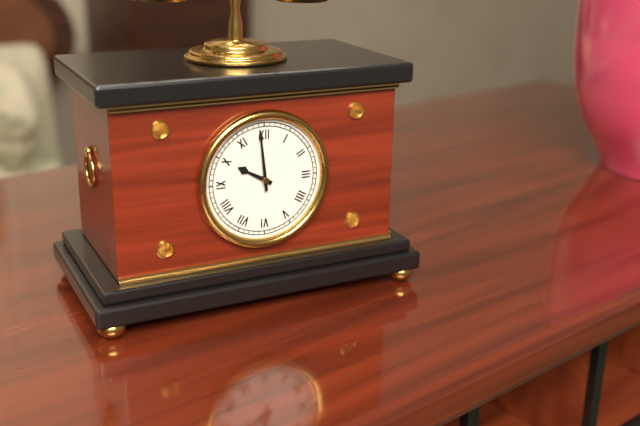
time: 9:59
